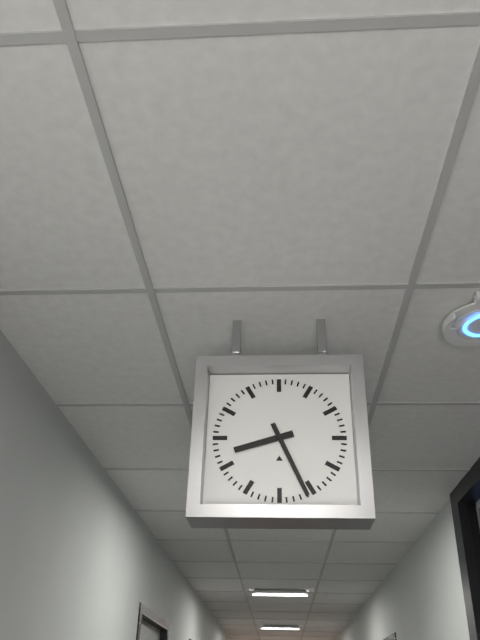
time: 8:26
